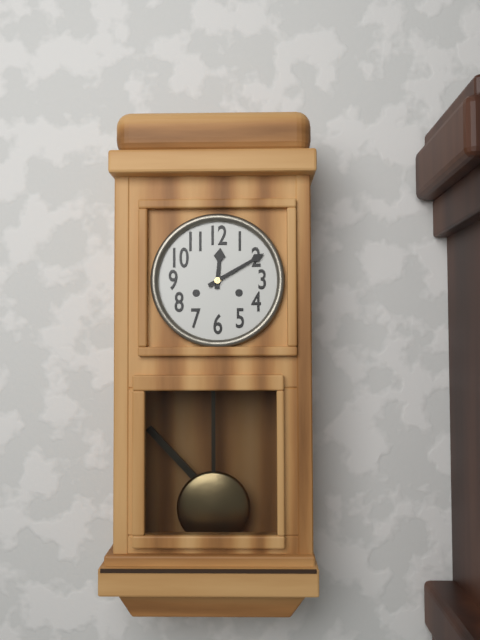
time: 12:10
